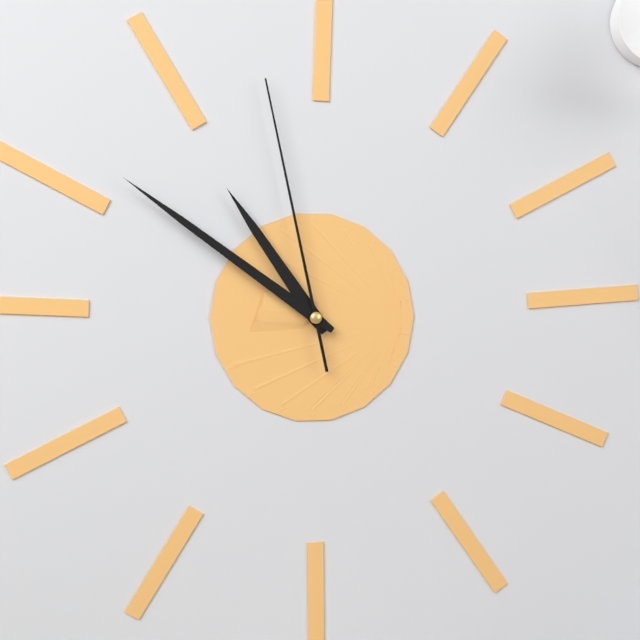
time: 10:51:58
